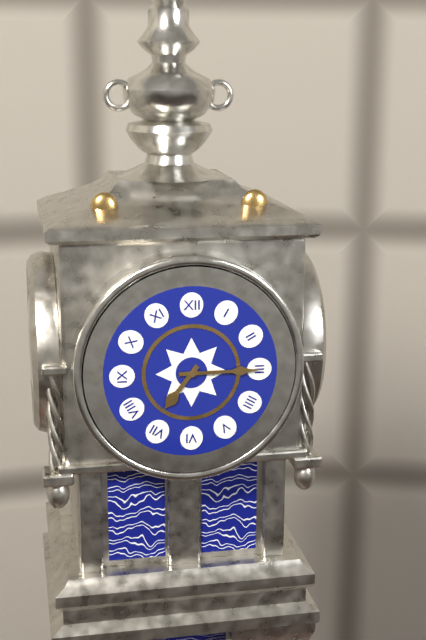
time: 7:15
